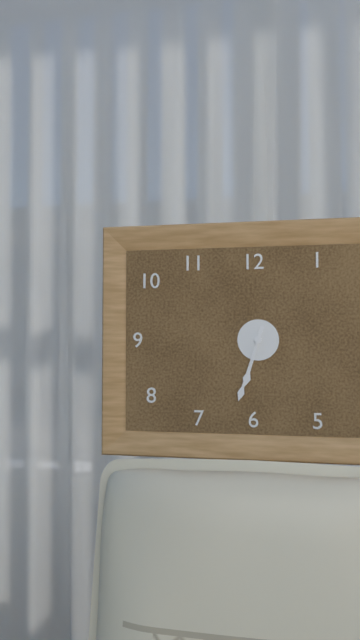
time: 6:33
